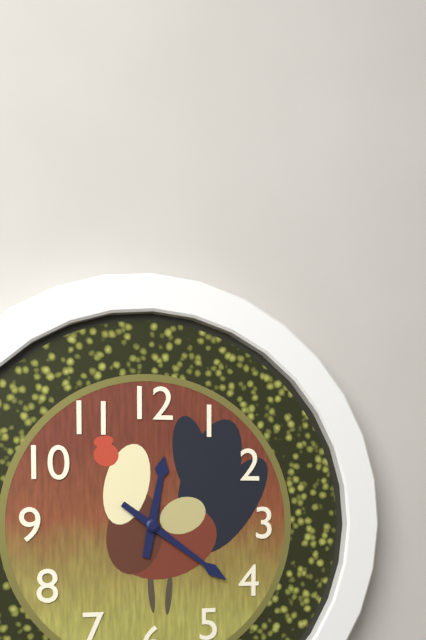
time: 12:21
